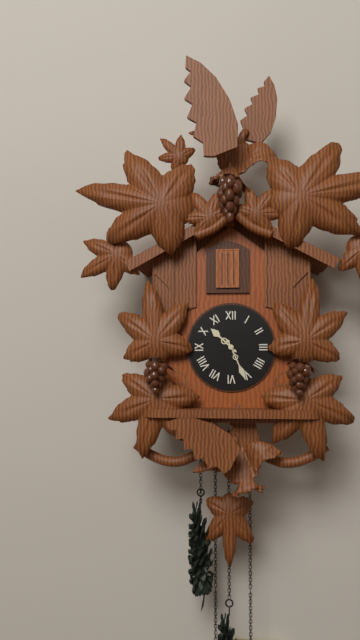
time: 10:26
